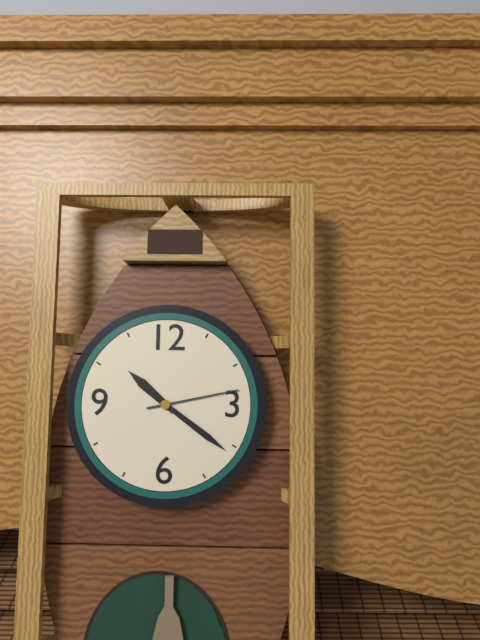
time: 10:21:13
